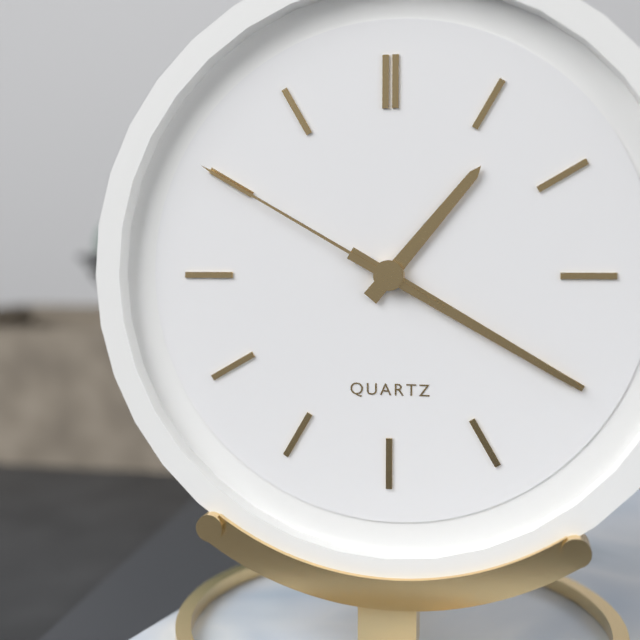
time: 1:20:50
